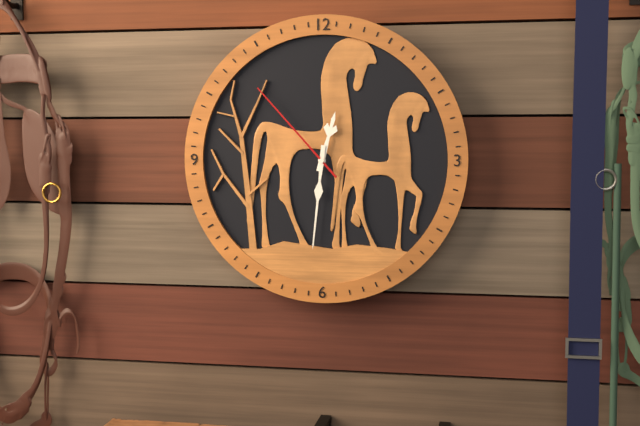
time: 12:31:53
